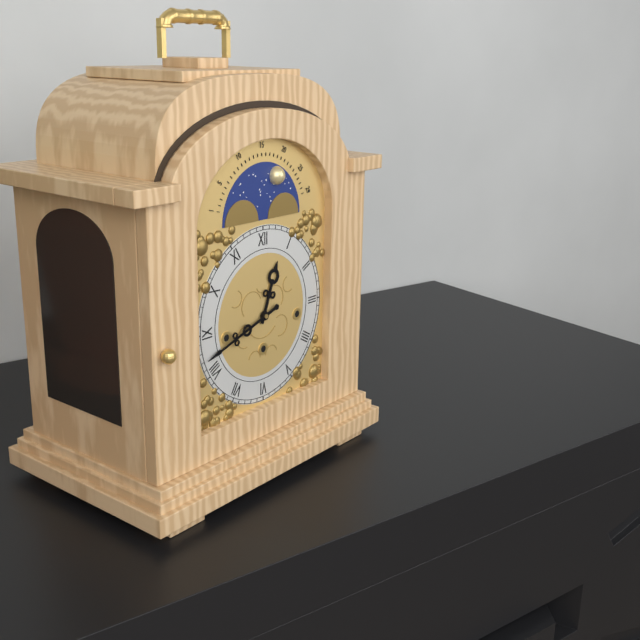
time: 12:42
